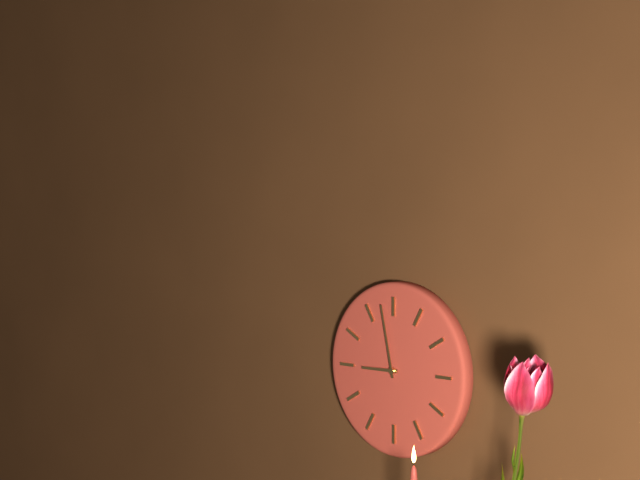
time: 8:58
